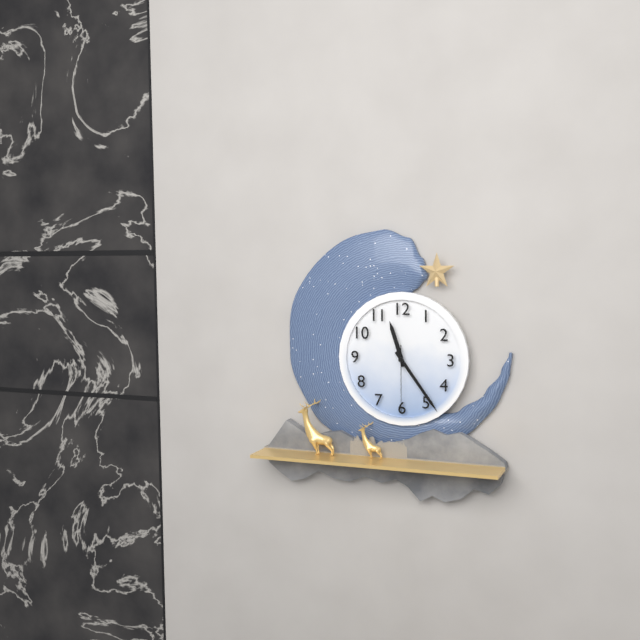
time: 11:24:30
